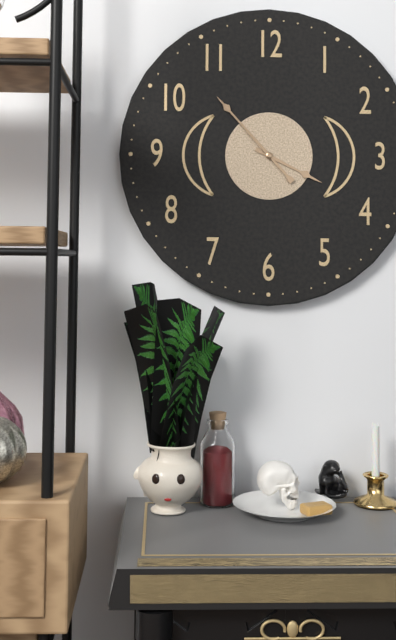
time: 3:53
